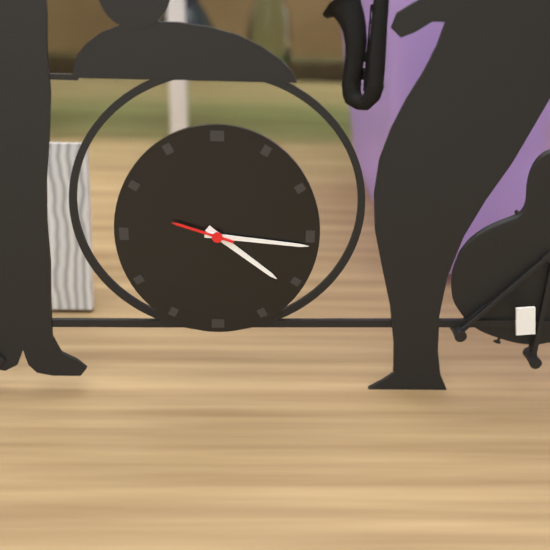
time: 4:16:48
